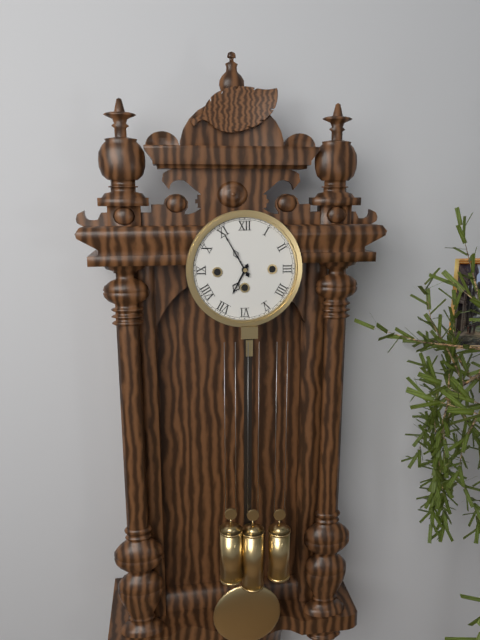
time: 6:55
